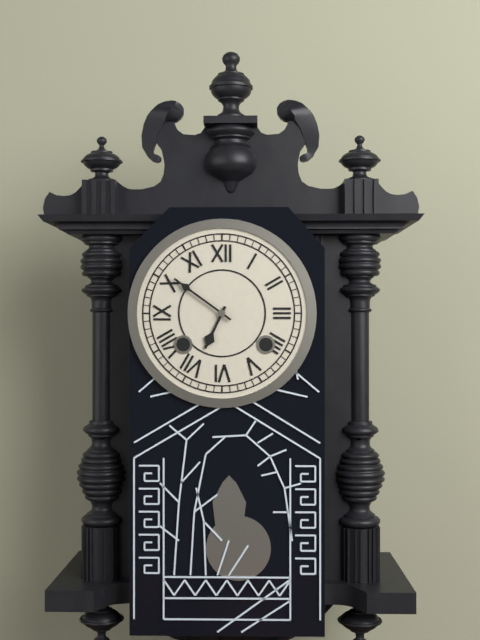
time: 6:51
